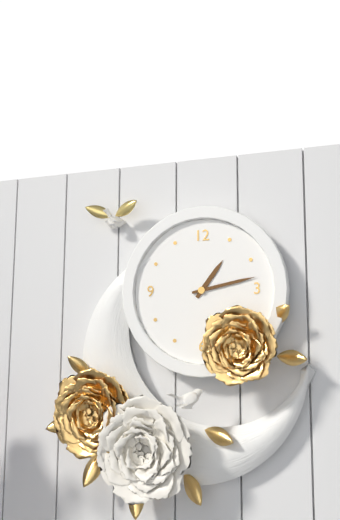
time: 1:13
